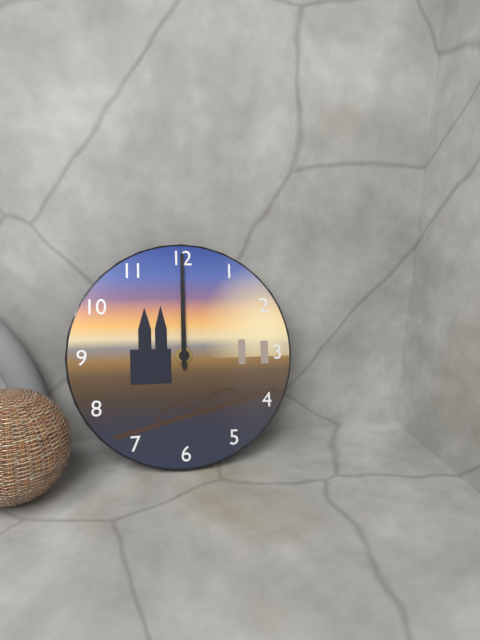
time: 12:00
